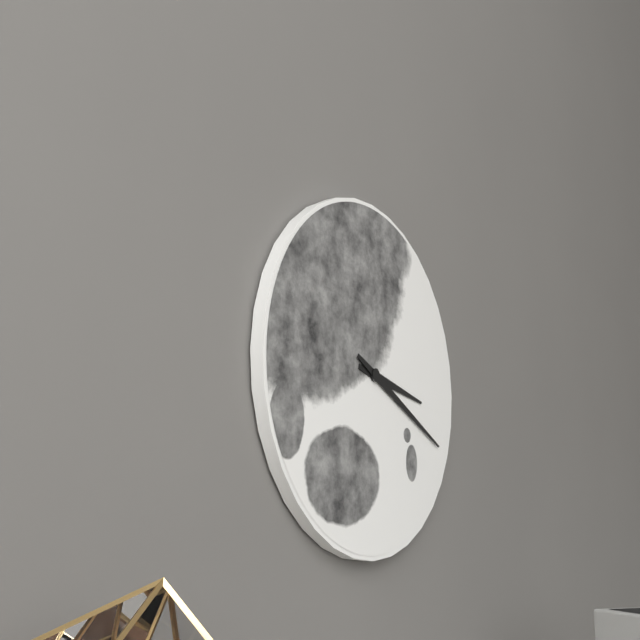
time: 3:19
